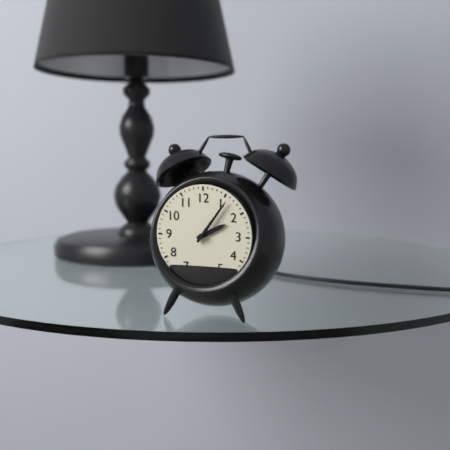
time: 2:06
